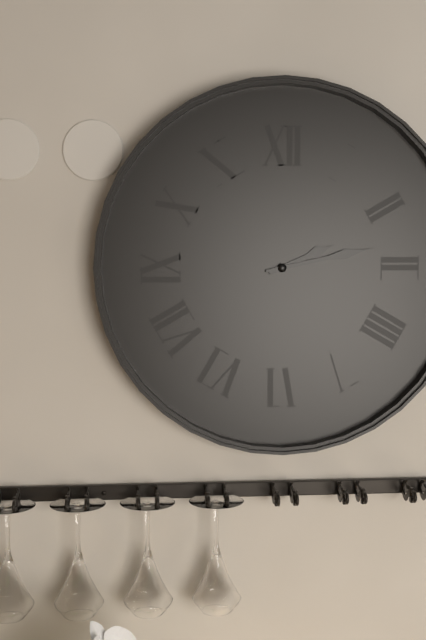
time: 2:13
